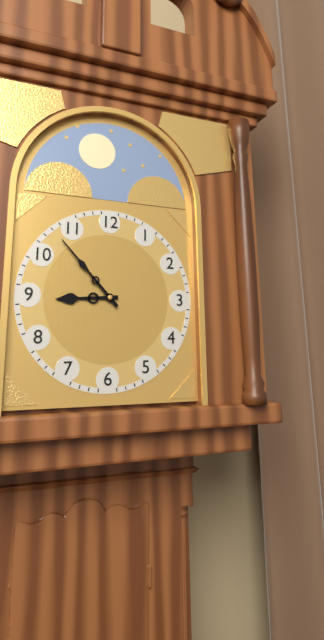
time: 8:53
